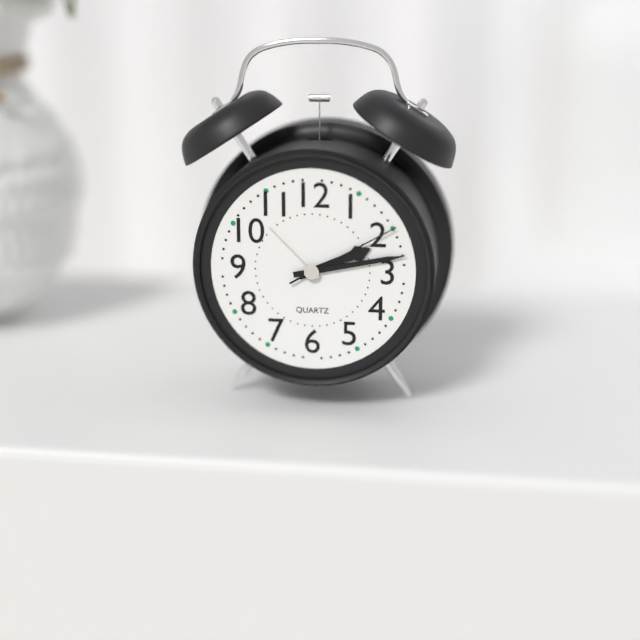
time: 2:13:10
